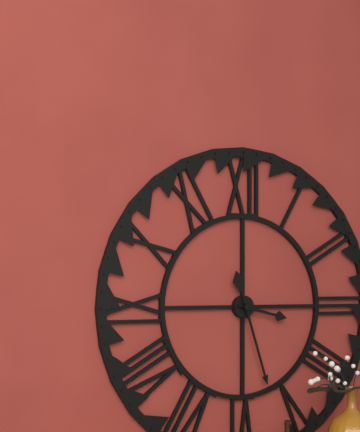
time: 3:27
